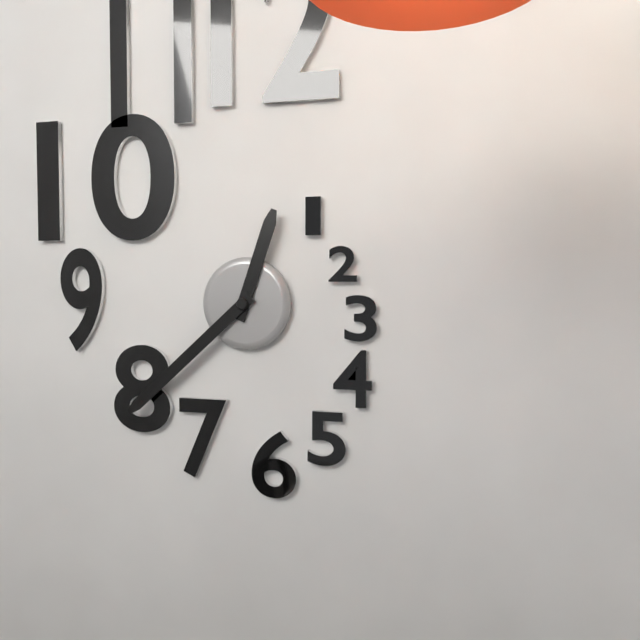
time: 12:38
